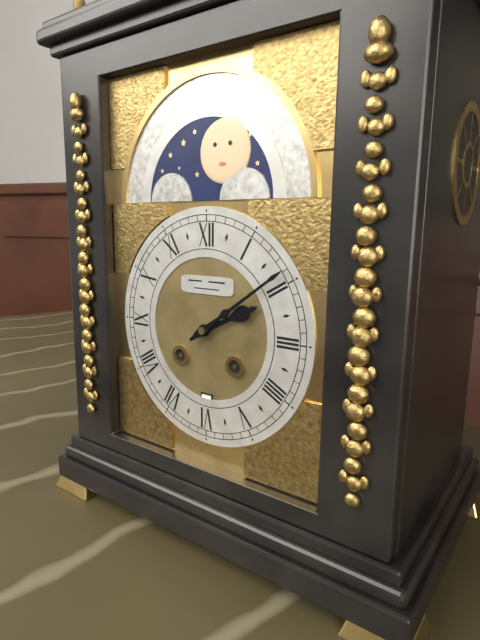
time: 2:09
